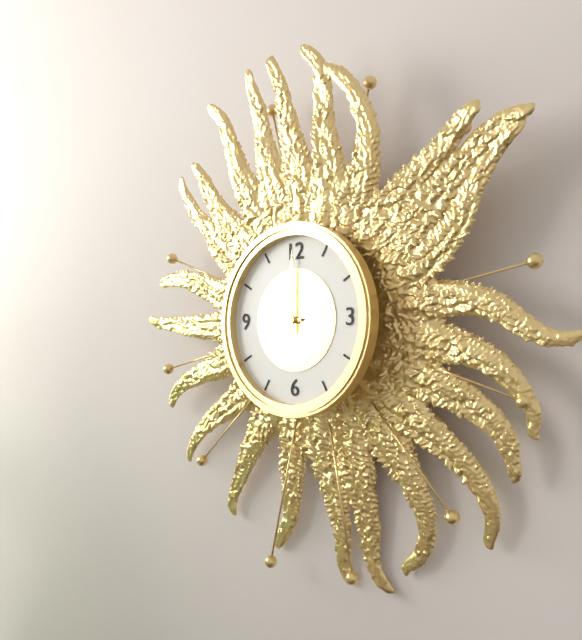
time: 9:00
